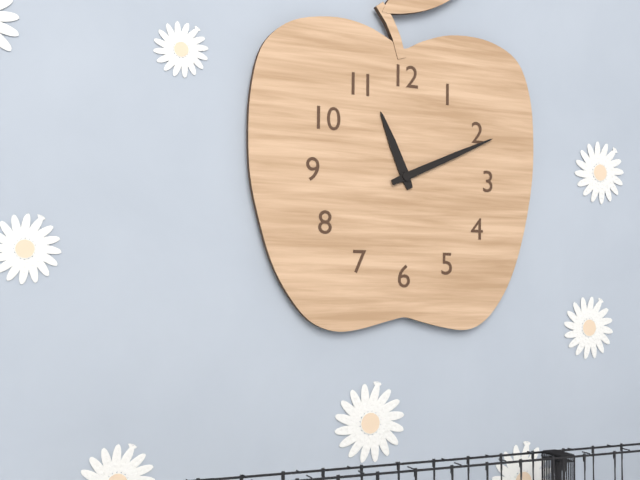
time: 11:11
